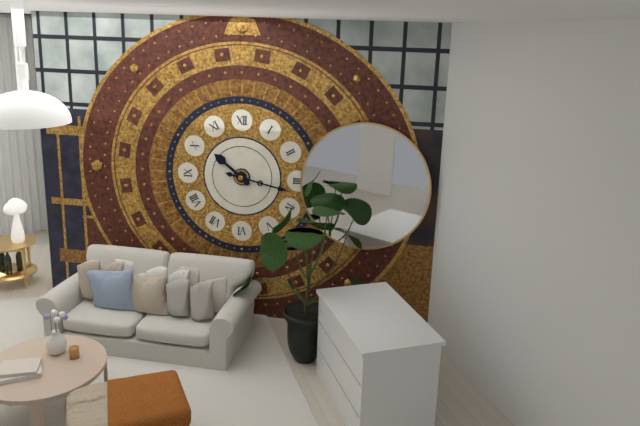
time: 10:17
